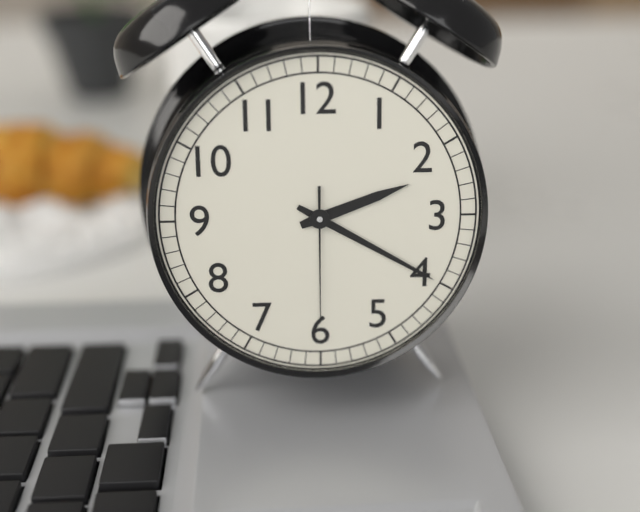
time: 2:20:30
